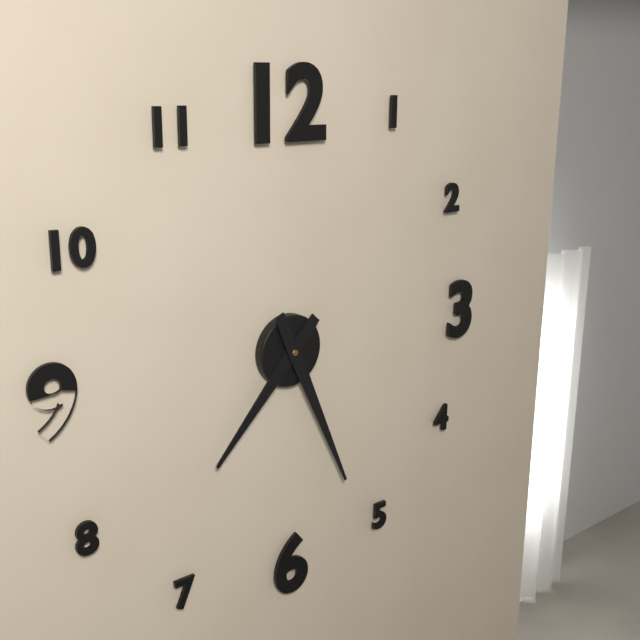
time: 7:26
